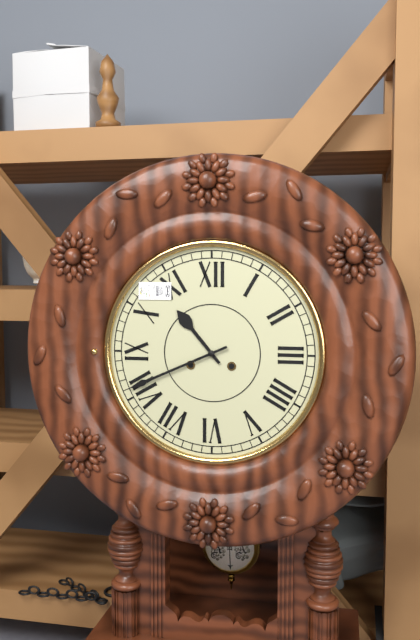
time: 10:41
